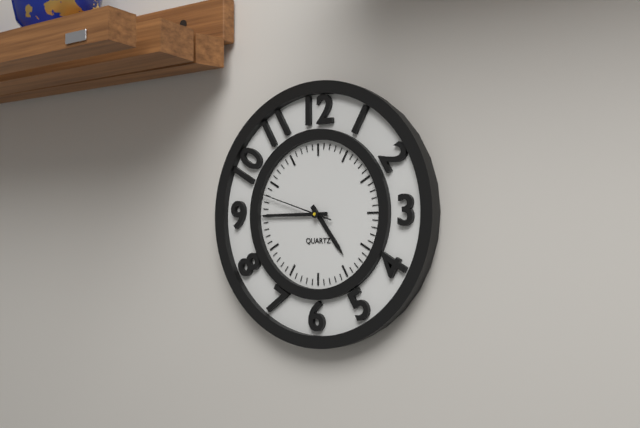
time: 4:45:48
